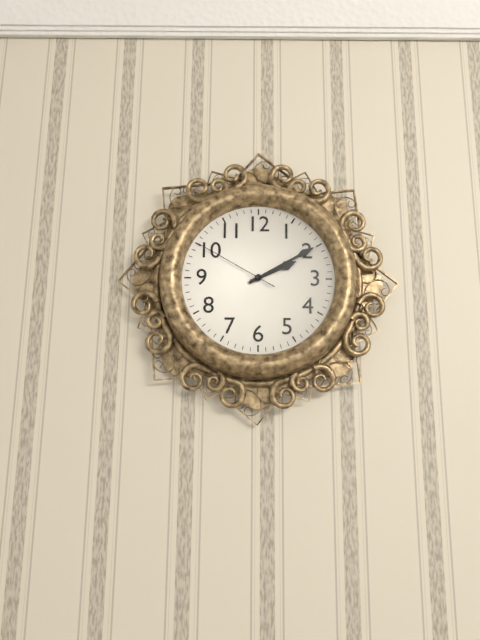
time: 2:10:50
